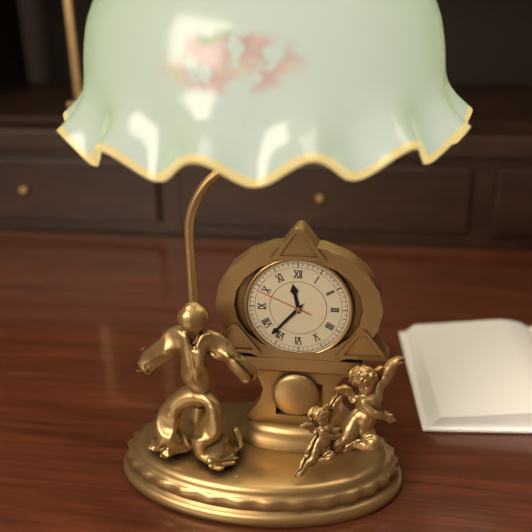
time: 11:37:49
